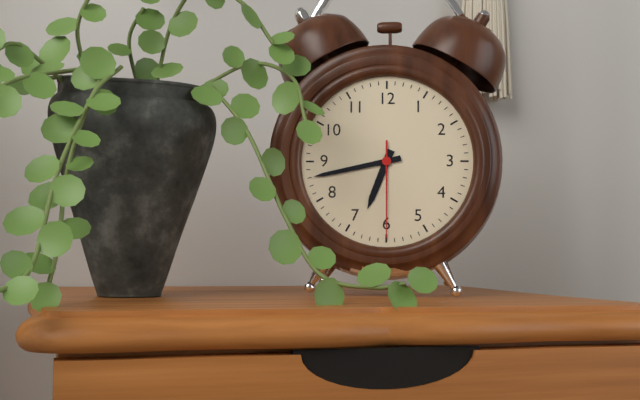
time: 6:43:30
